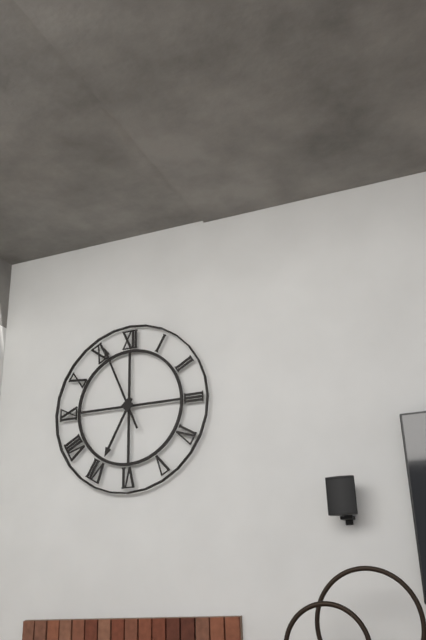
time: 6:56
